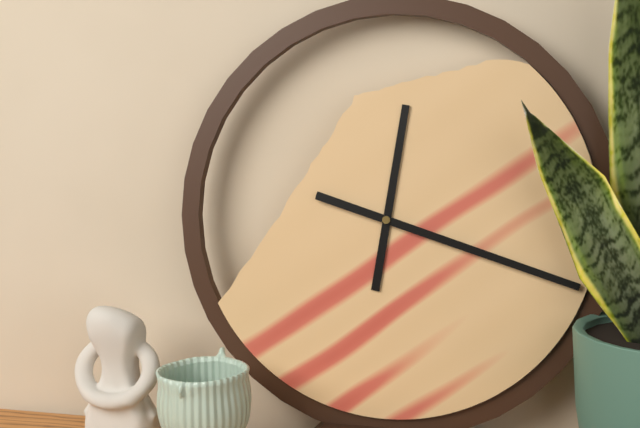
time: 12:18
